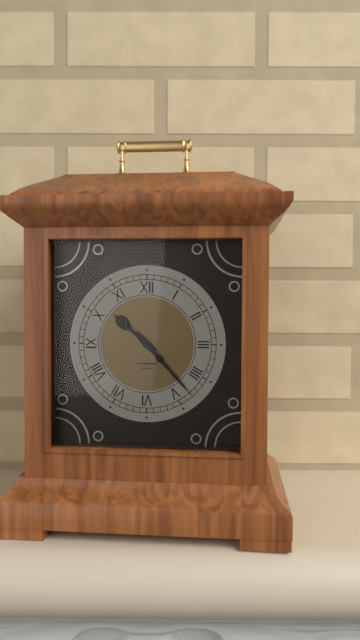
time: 10:23
